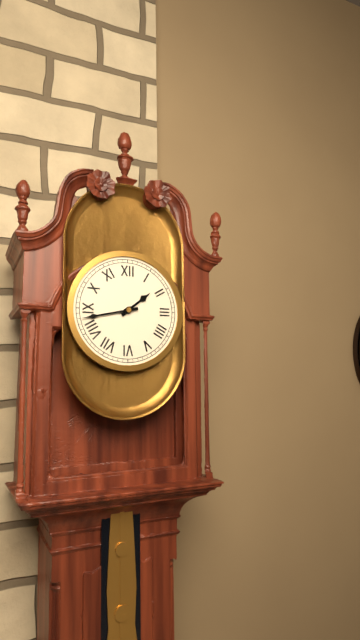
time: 1:43
